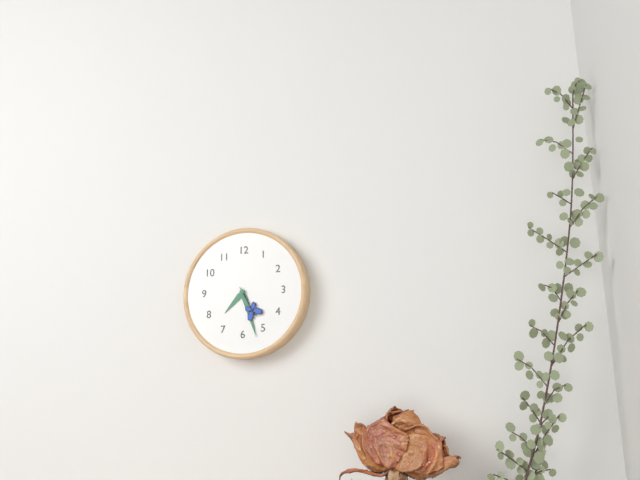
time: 7:27
